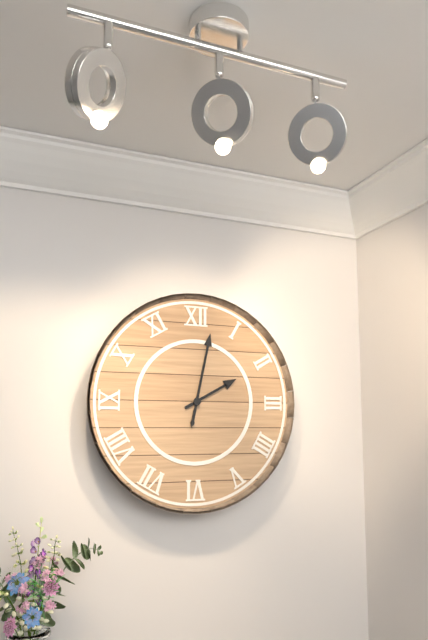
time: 2:02
